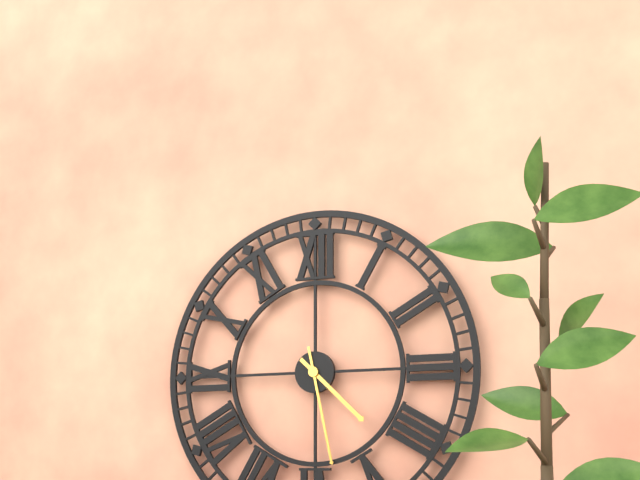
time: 4:28
